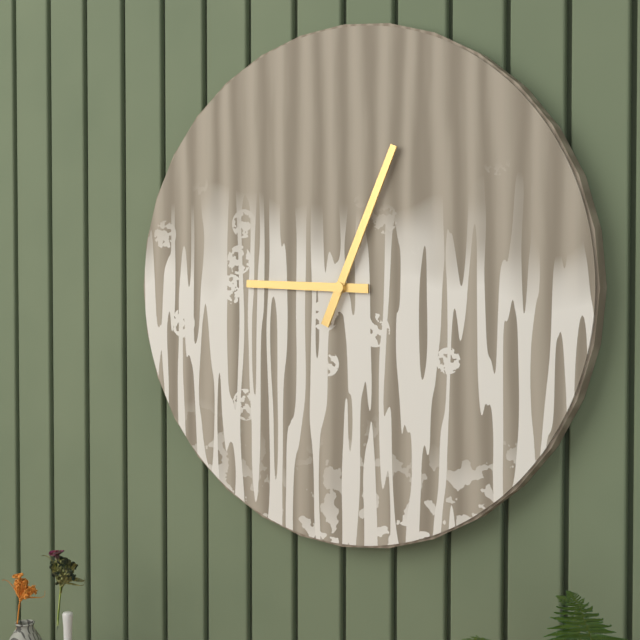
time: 9:04
